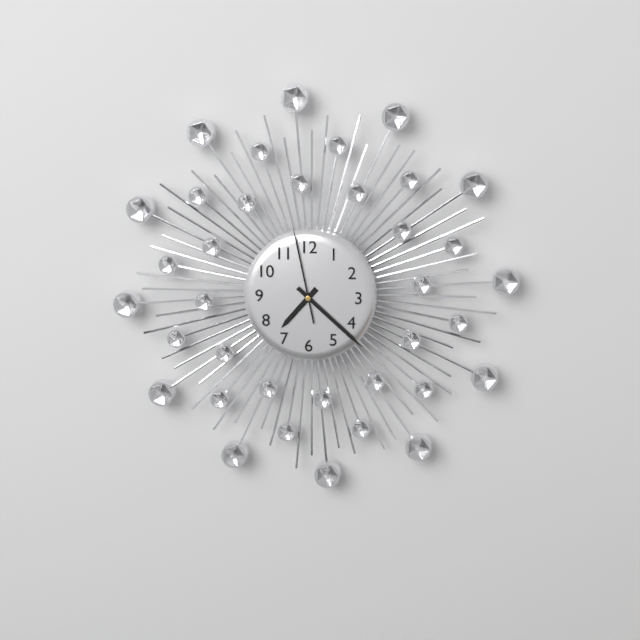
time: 7:22:58
